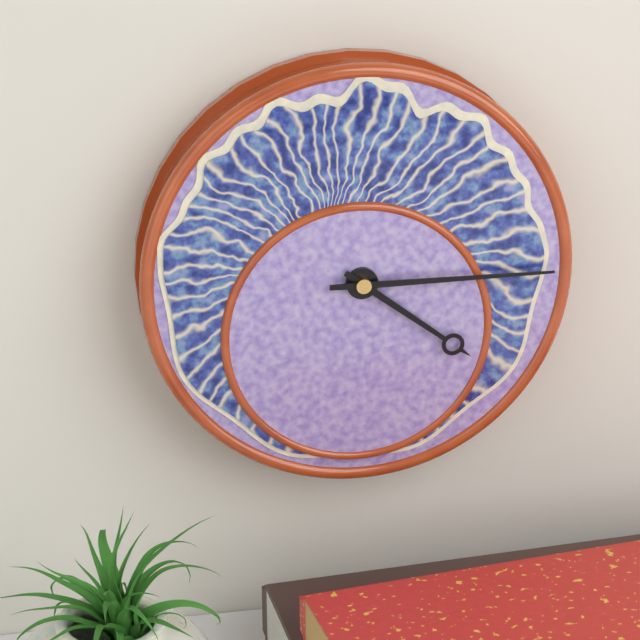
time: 4:15
